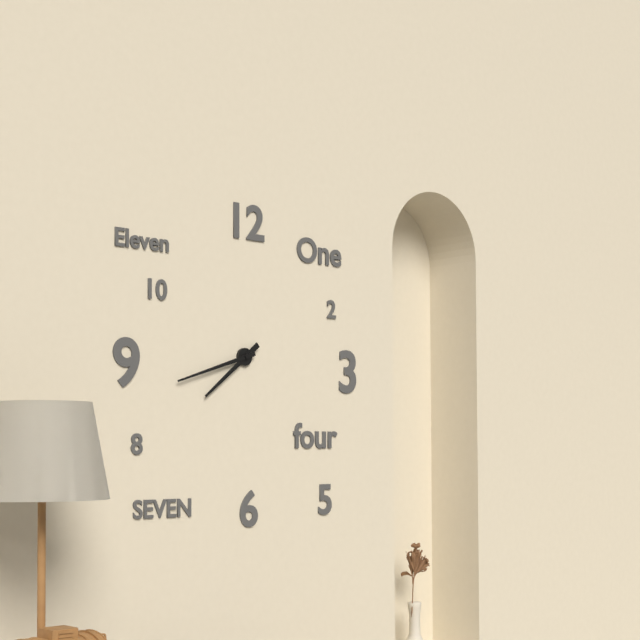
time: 7:42
